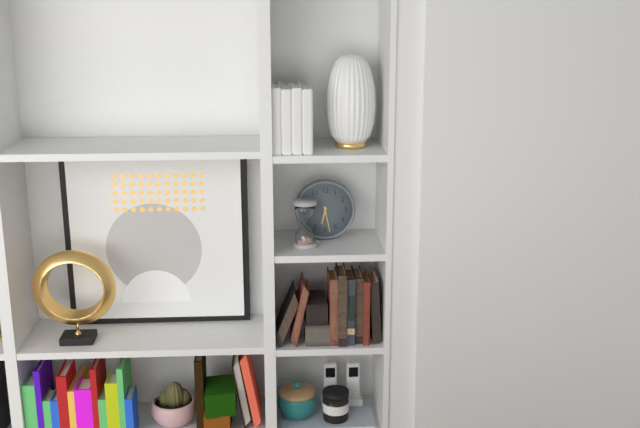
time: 6:28
